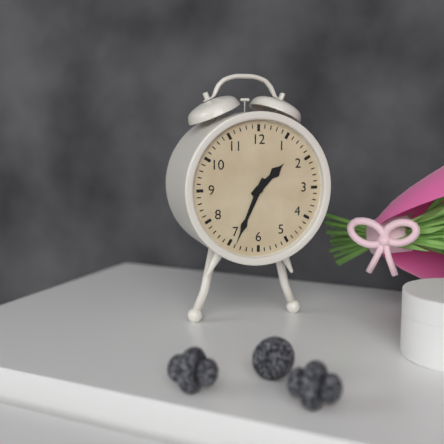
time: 1:34
